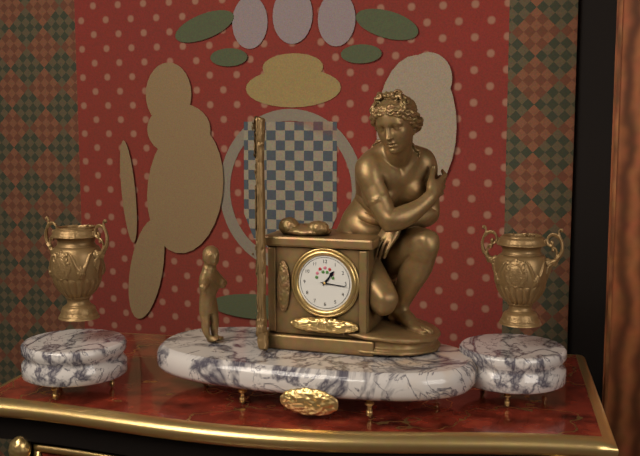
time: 1:16
